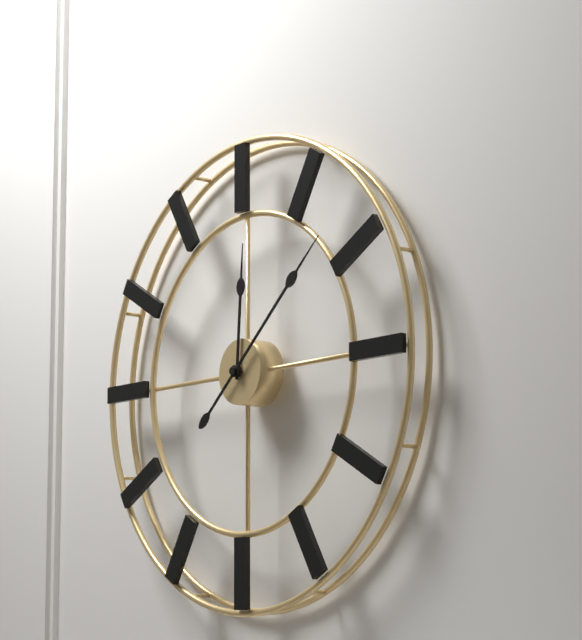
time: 12:08
